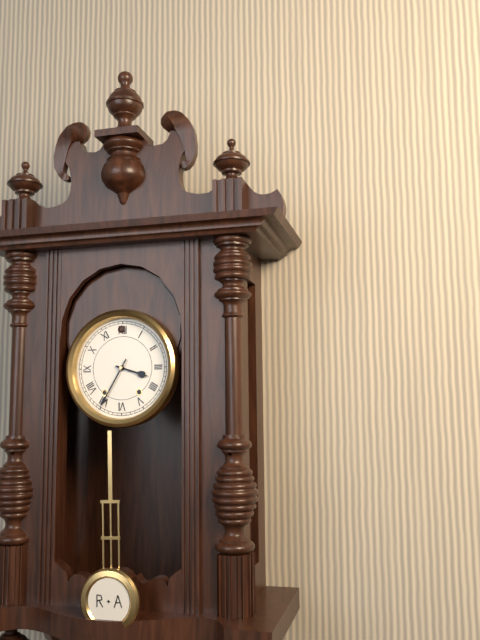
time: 3:35
